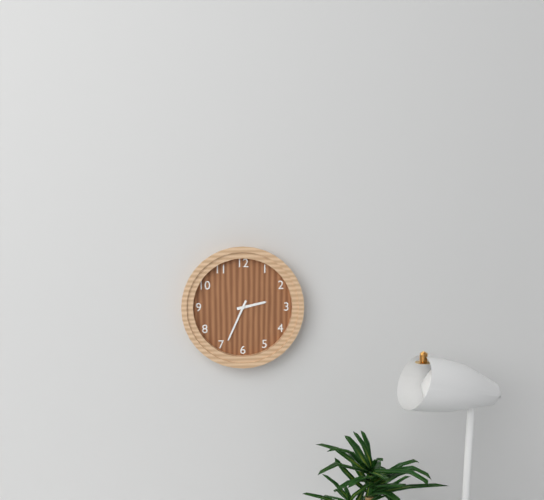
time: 2:34
